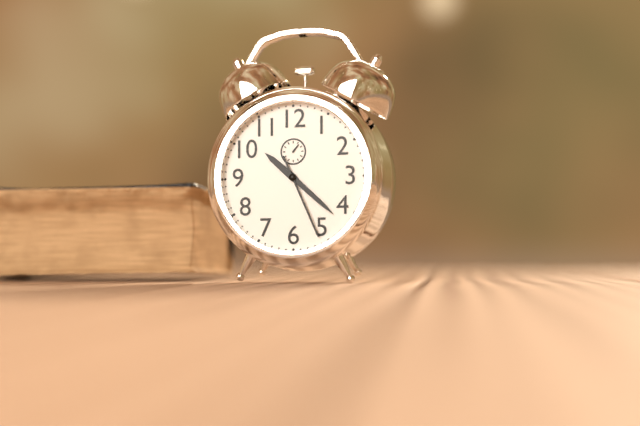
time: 10:22:26
